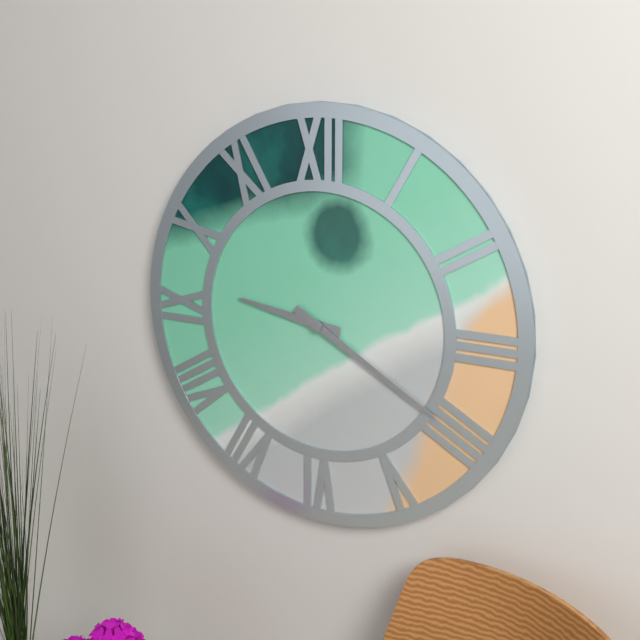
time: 9:20
